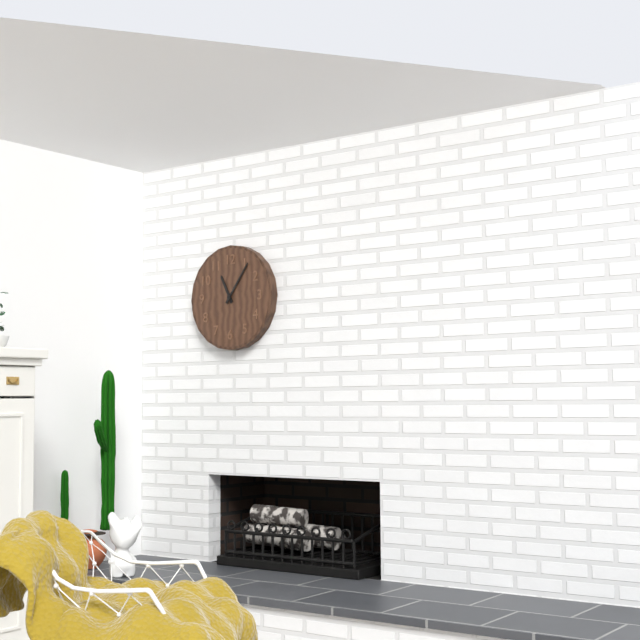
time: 11:06
